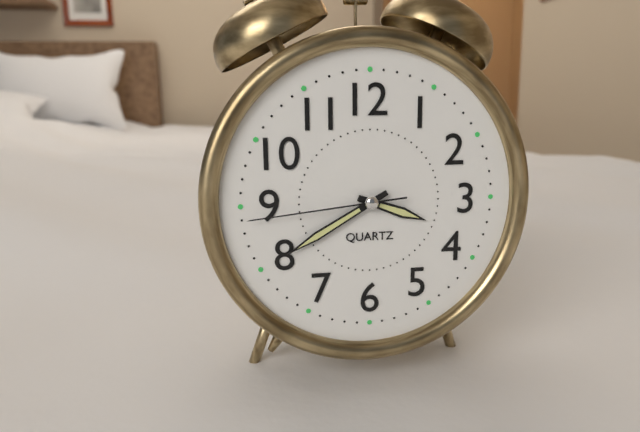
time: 3:40:44
